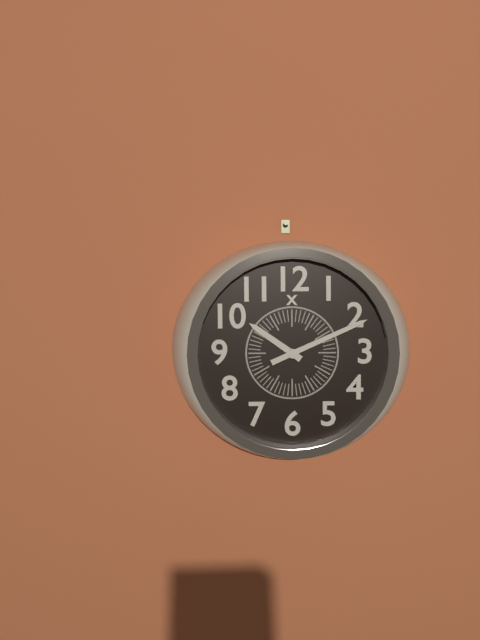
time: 10:11
